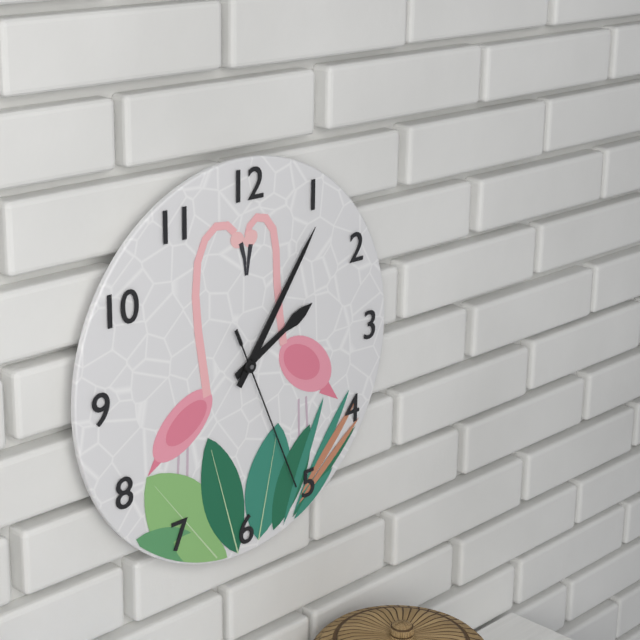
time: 2:06:26
